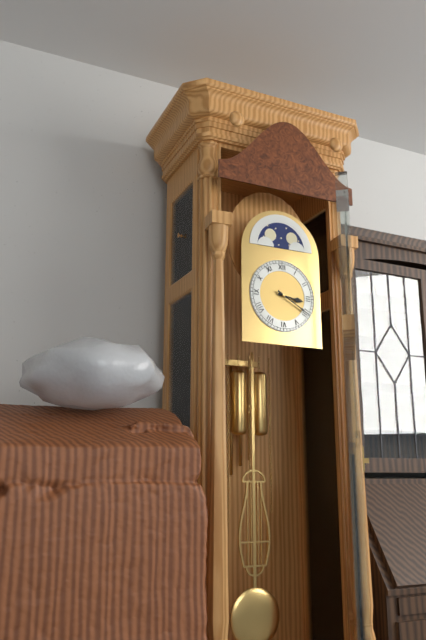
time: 3:20
